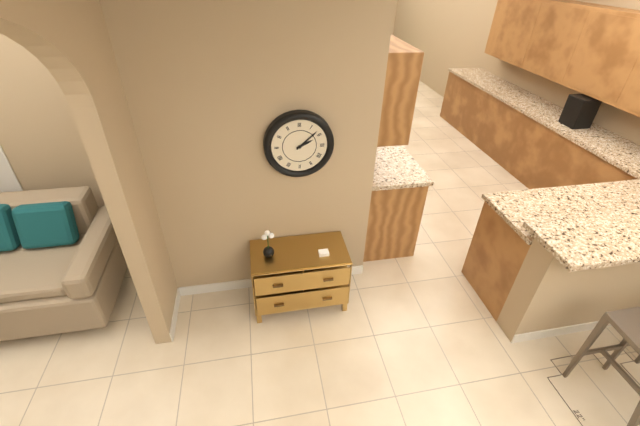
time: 2:08
